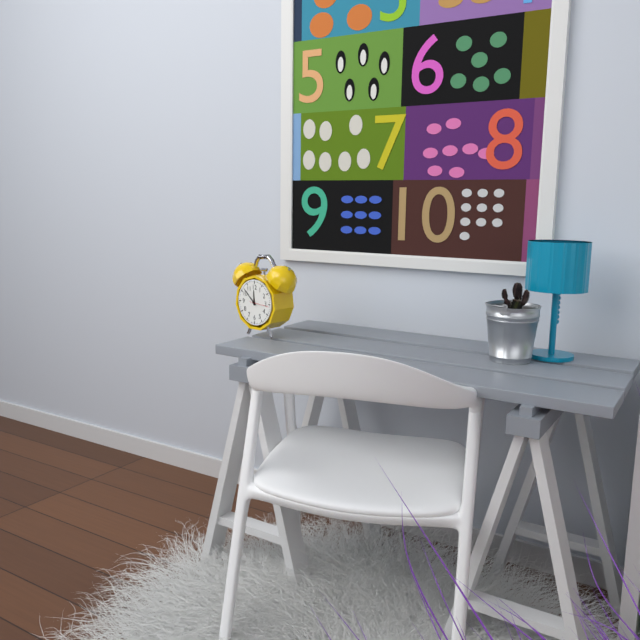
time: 11:52
